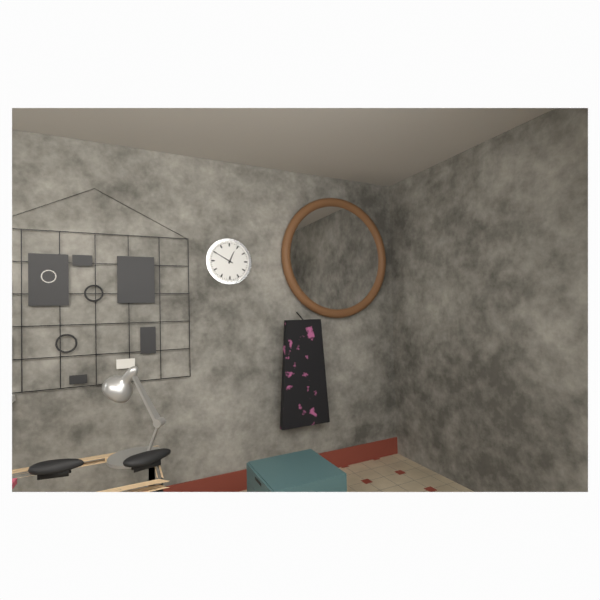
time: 12:50
